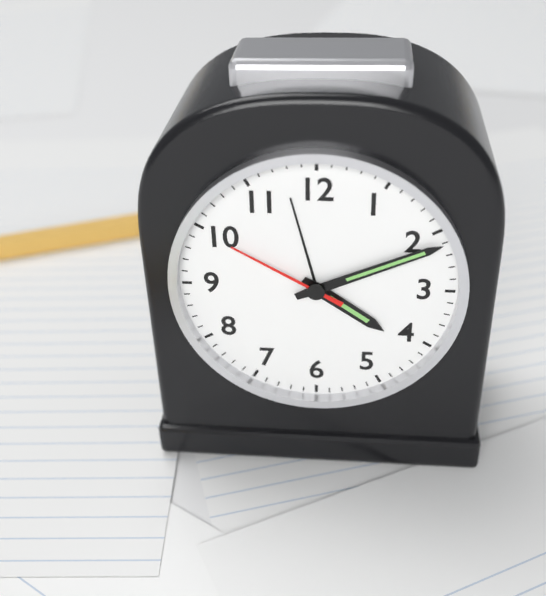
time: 4:11:50
